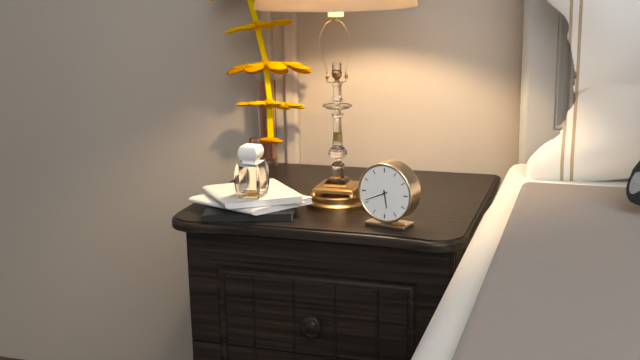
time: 5:41
